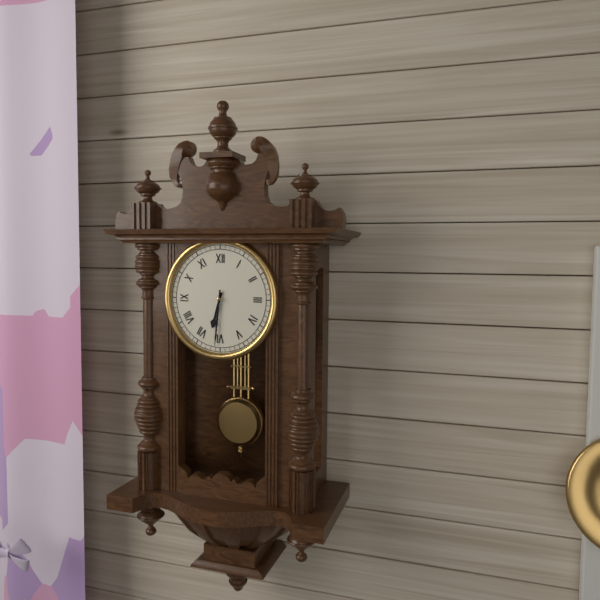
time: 6:31
